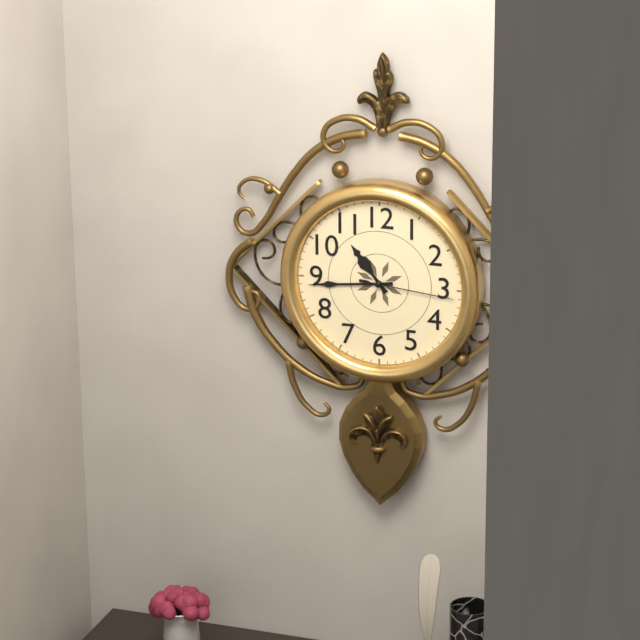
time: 10:44:16
